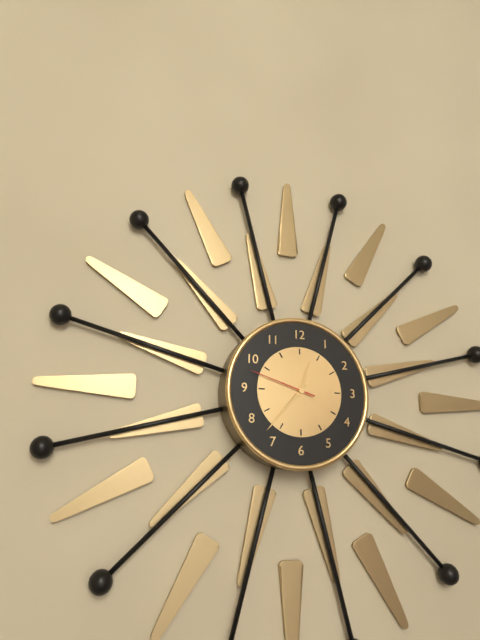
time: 12:37:48
